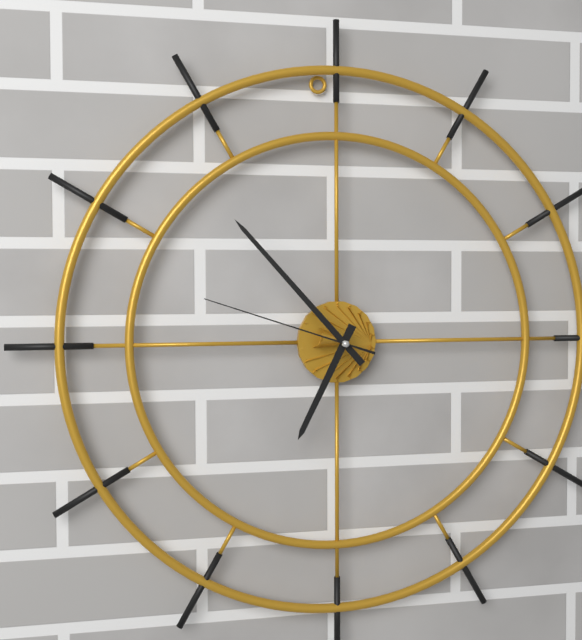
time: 6:53:48
